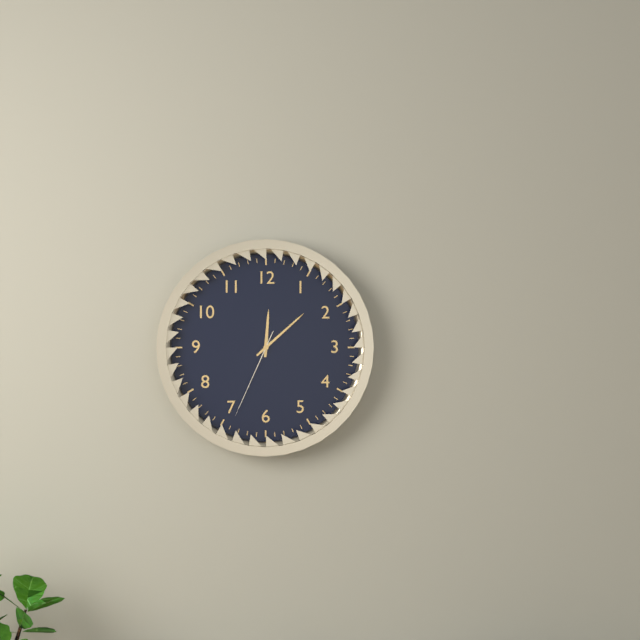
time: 12:08:34
